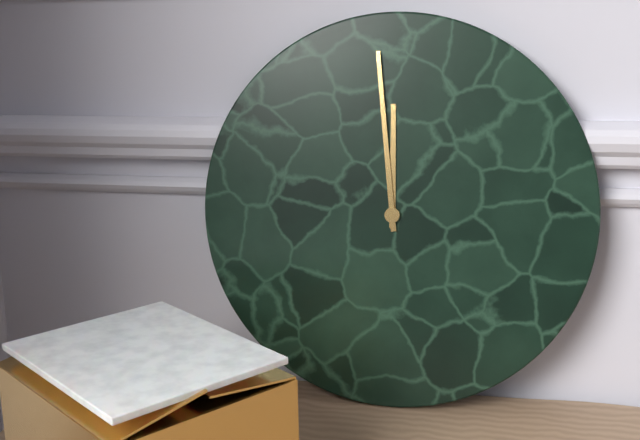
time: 11:59
